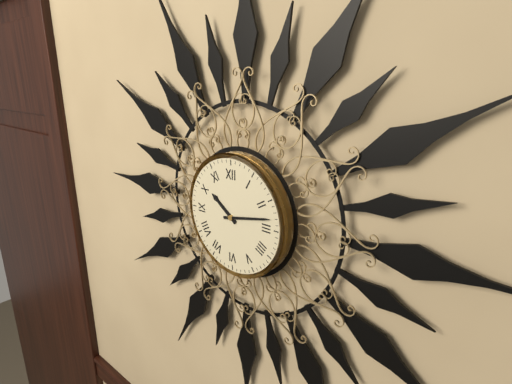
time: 10:13
